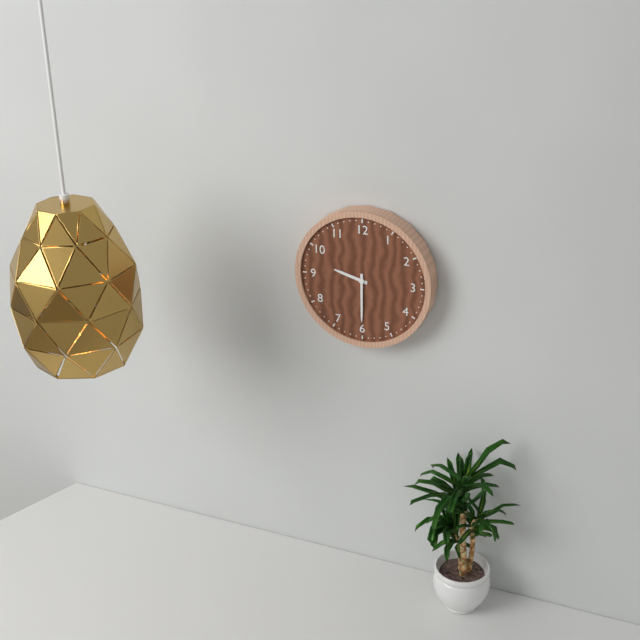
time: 9:30
